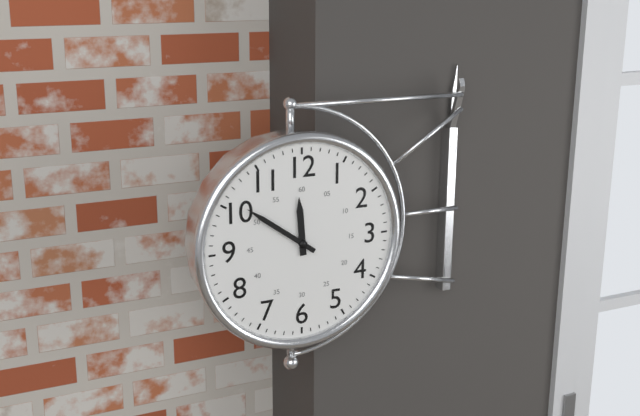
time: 11:51
